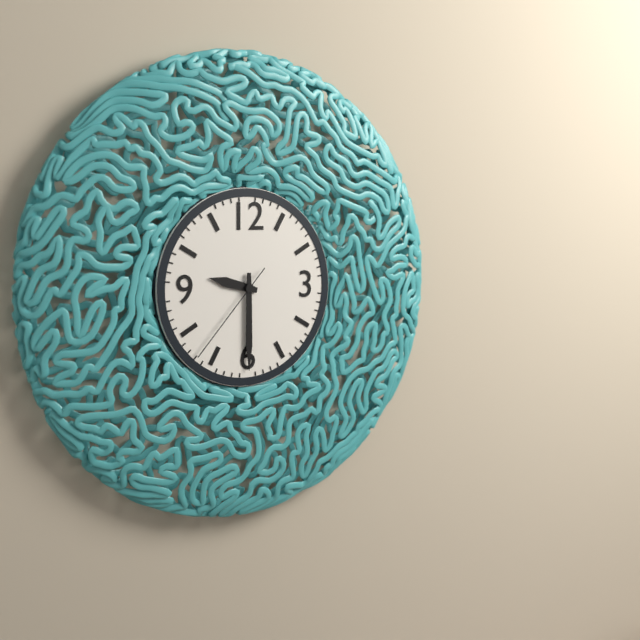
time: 9:30:37
